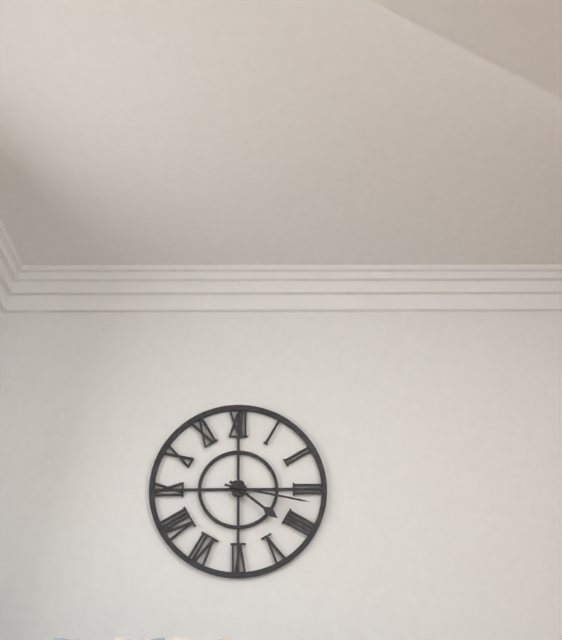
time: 4:17
